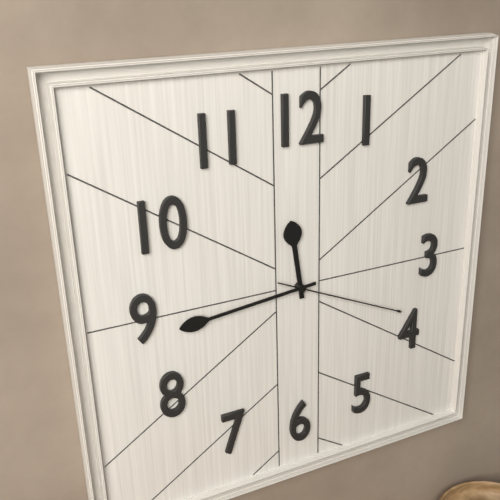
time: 11:44:19
